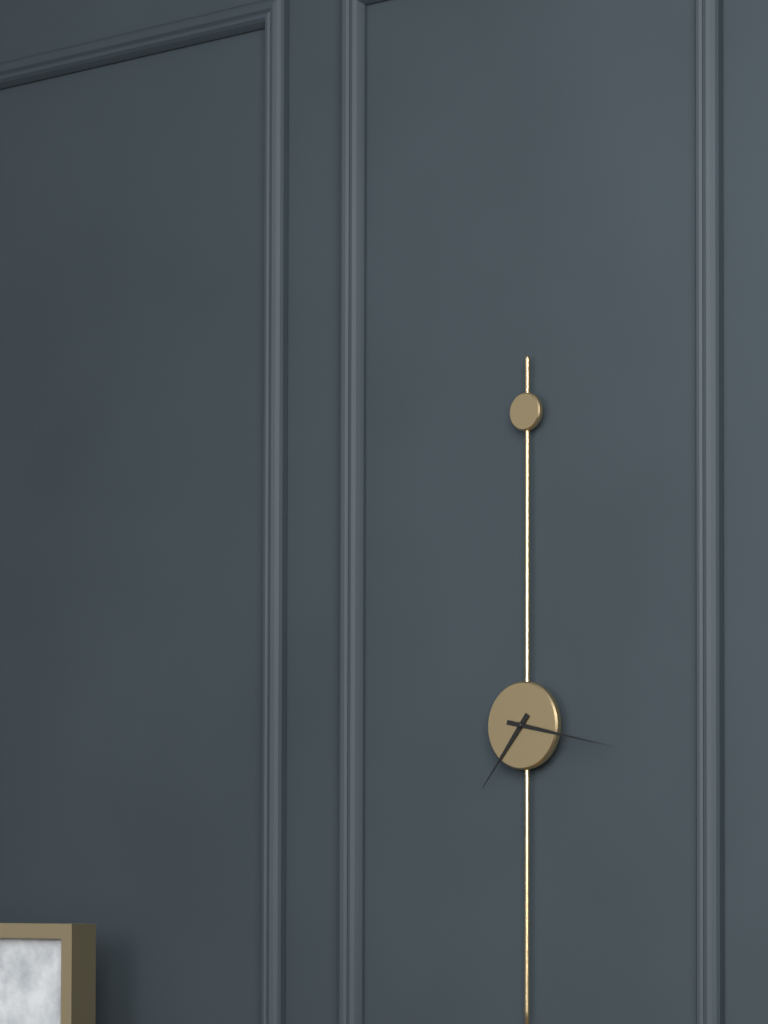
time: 7:17
